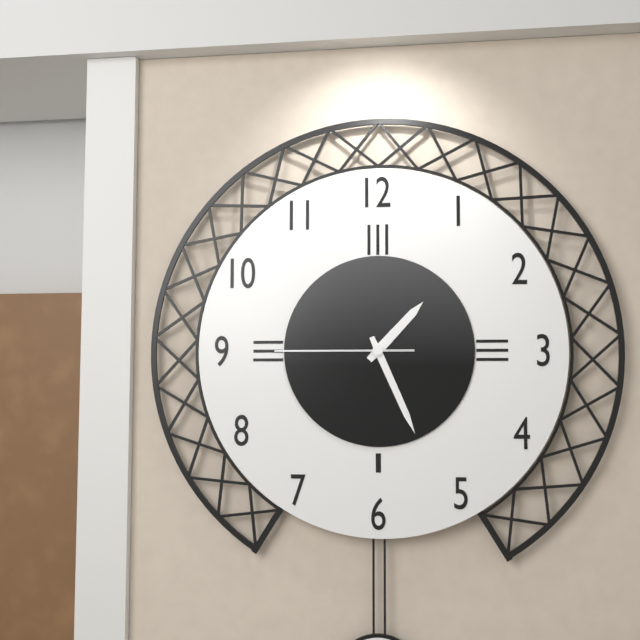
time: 1:26:45
